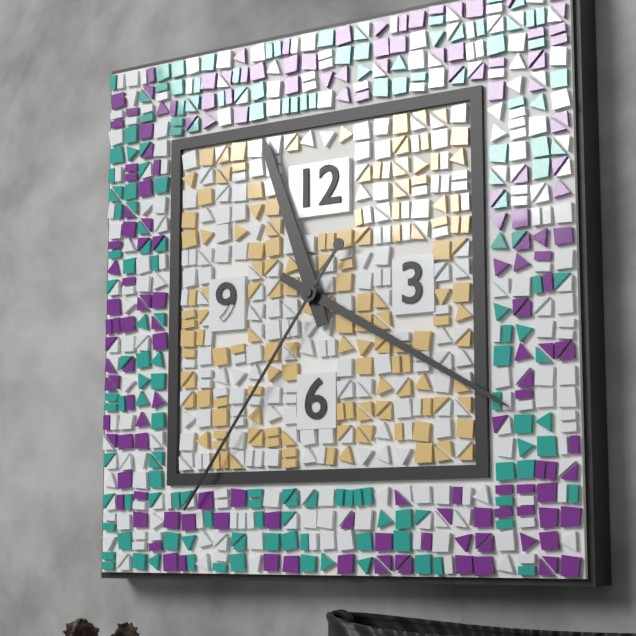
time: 11:20:36
